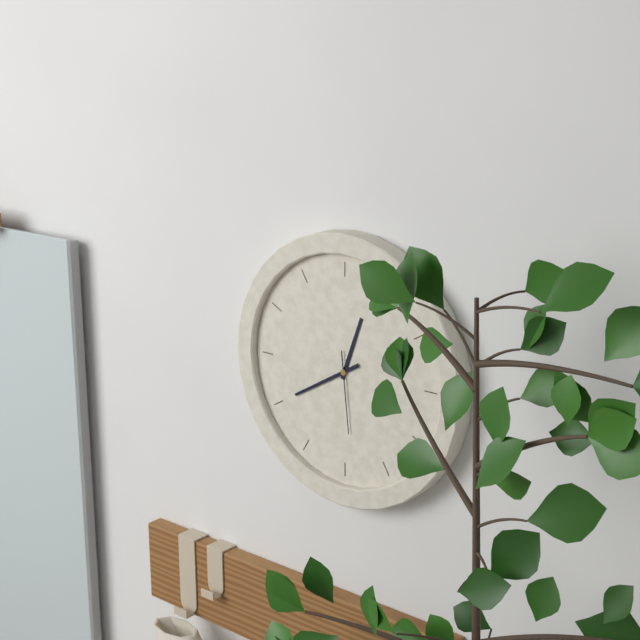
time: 12:40:29
